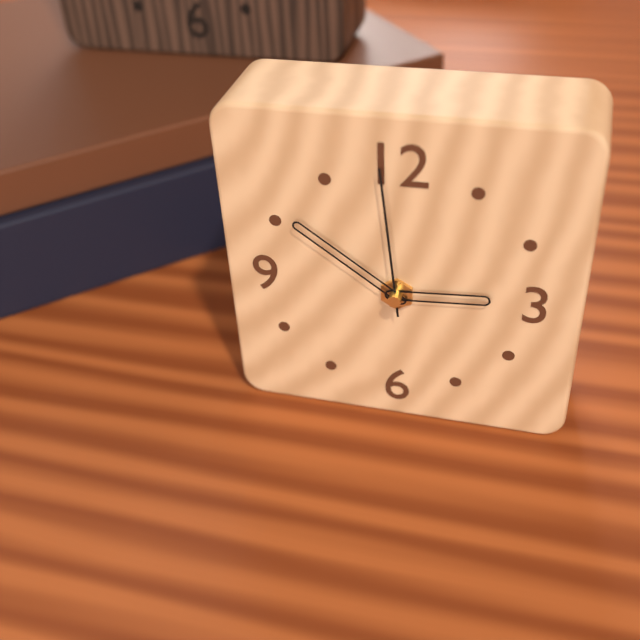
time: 2:51:59
